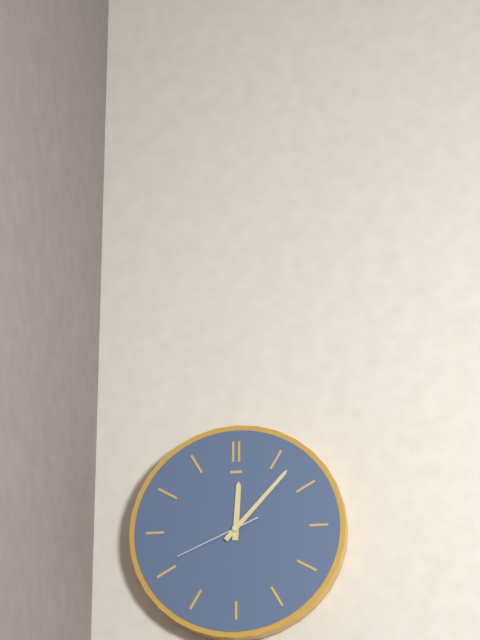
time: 12:07:41
